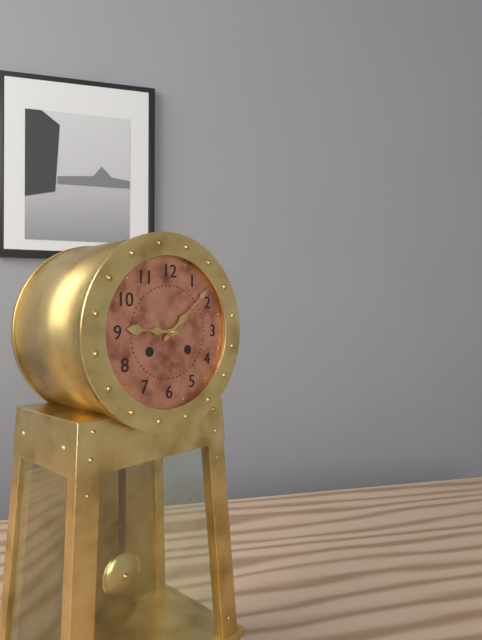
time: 9:08
